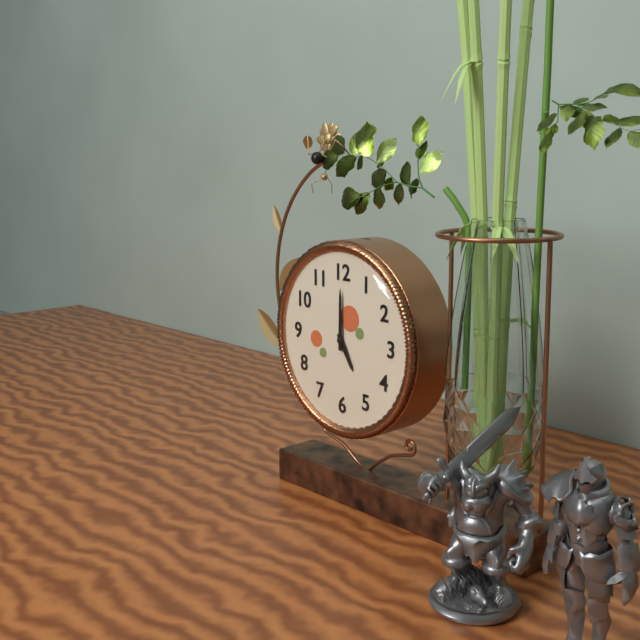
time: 5:00
